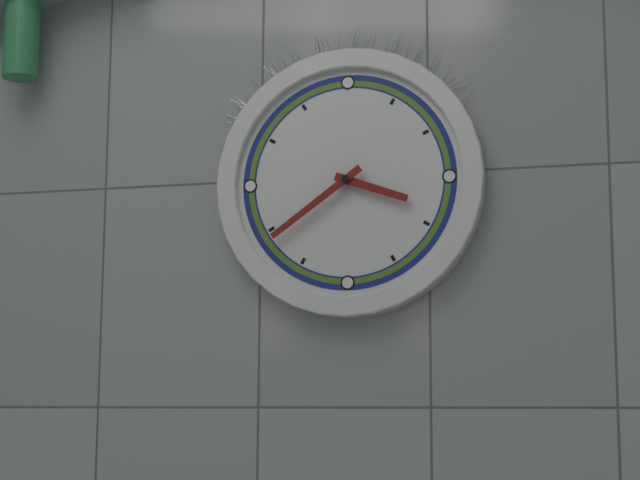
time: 3:39
